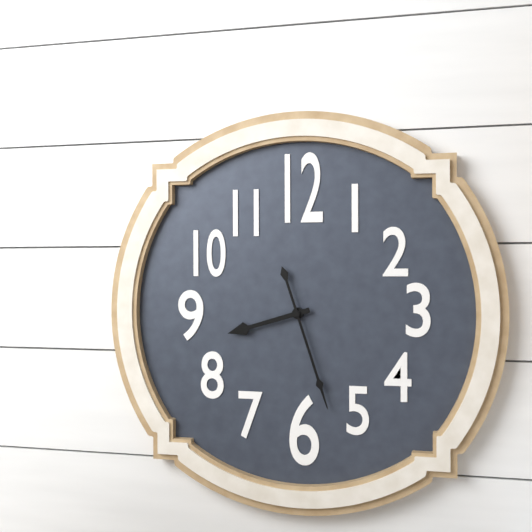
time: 8:27
